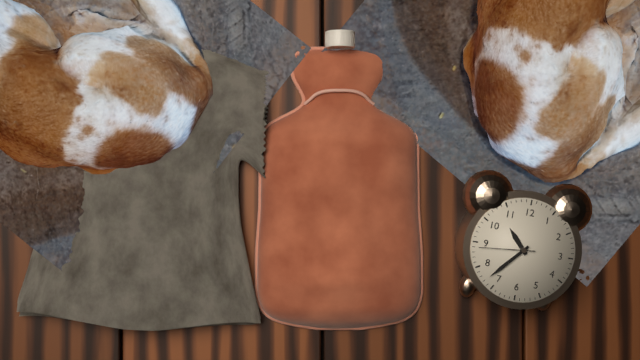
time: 10:37:44
